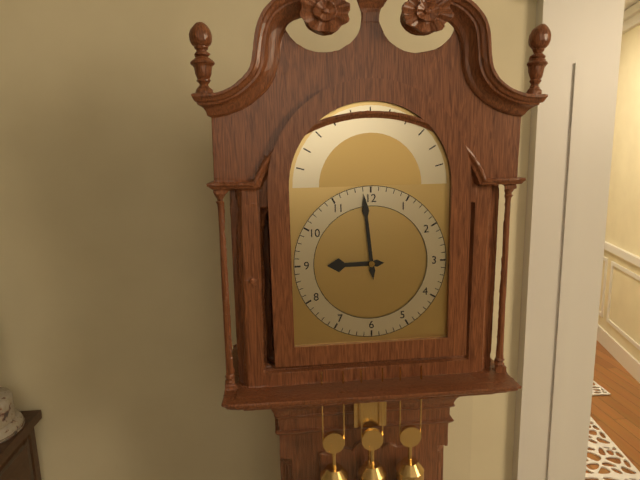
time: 8:59
